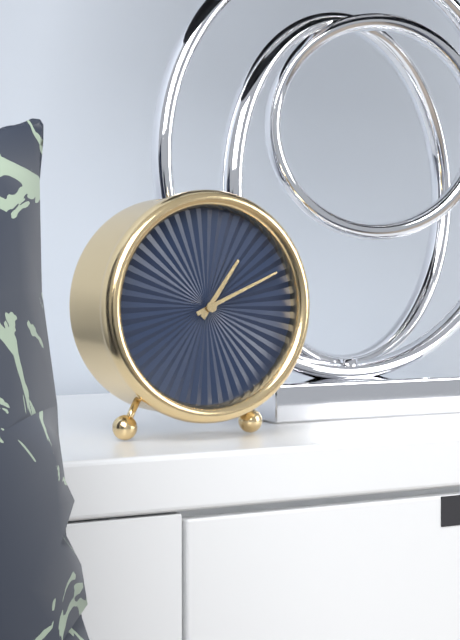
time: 1:11
